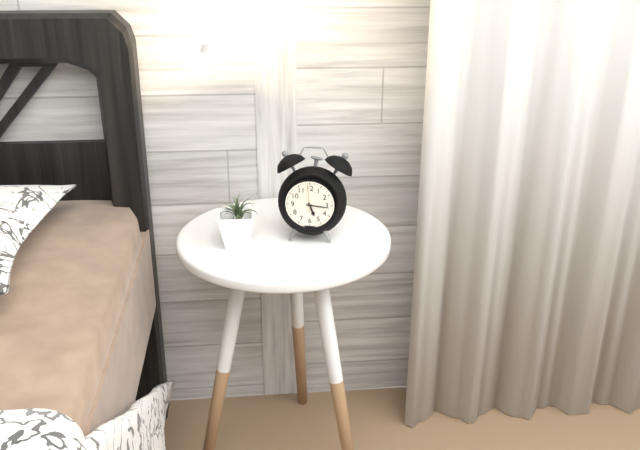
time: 5:16
